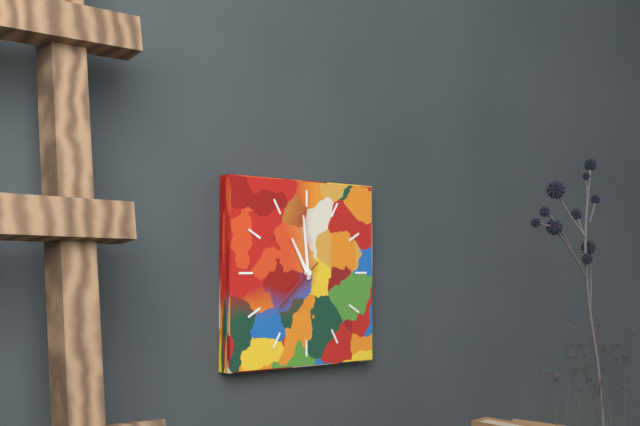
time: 10:59:38
